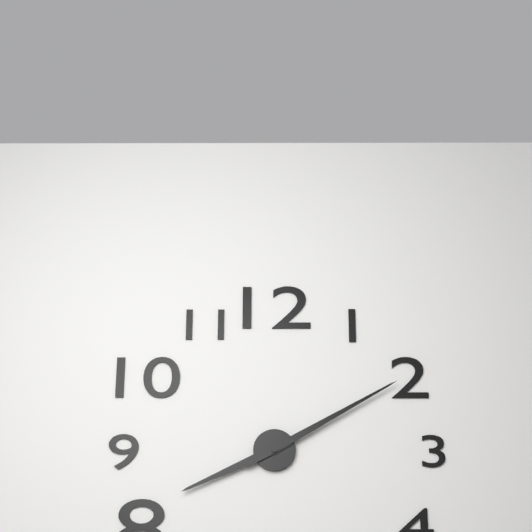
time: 8:10
